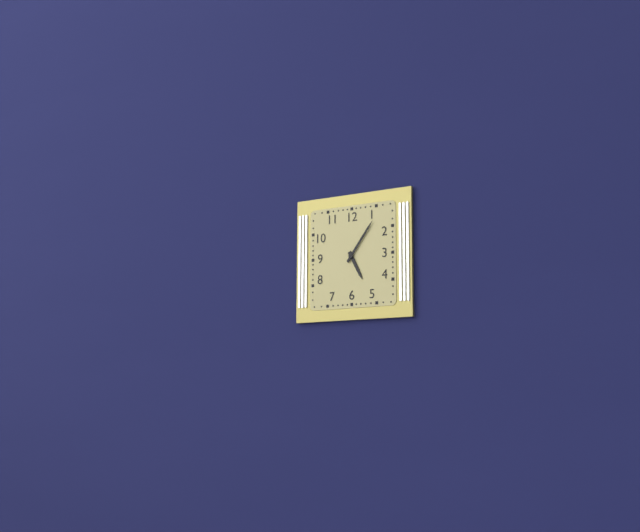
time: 5:06
